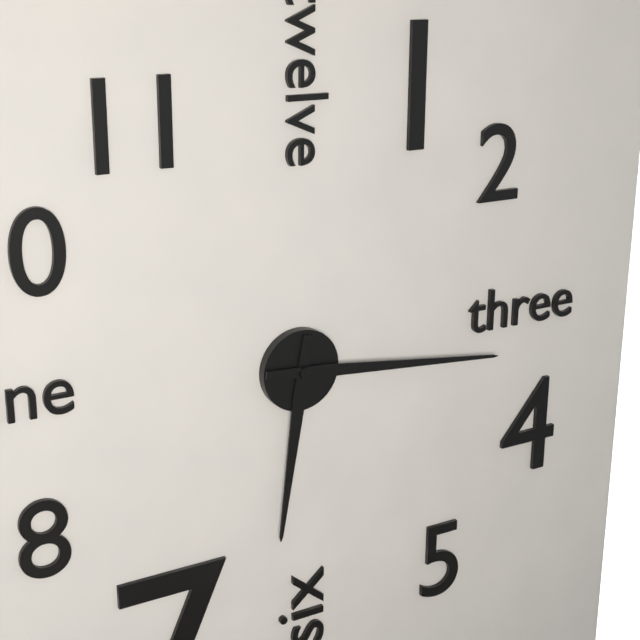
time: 6:16
